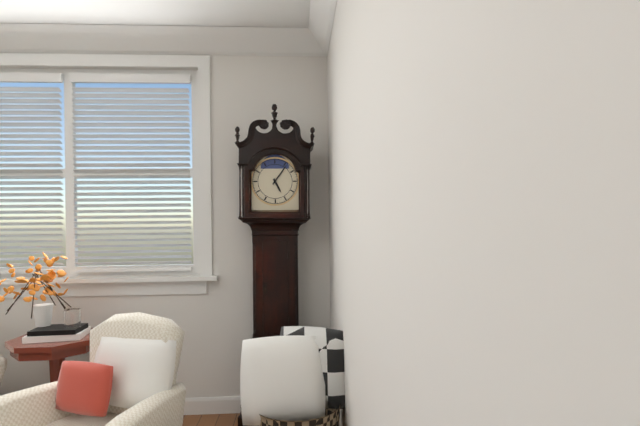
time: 5:06
